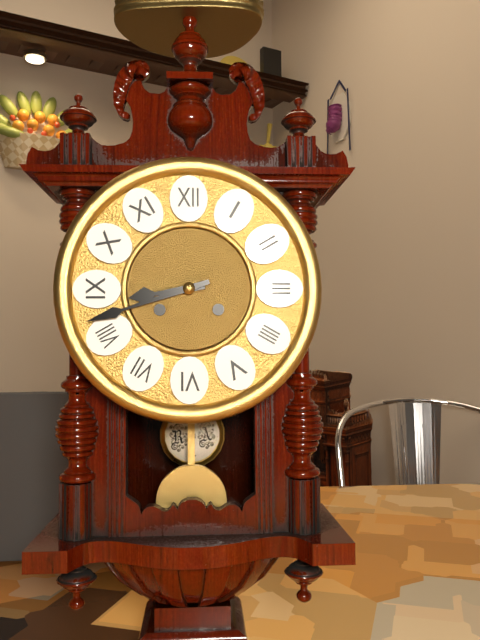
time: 8:42
